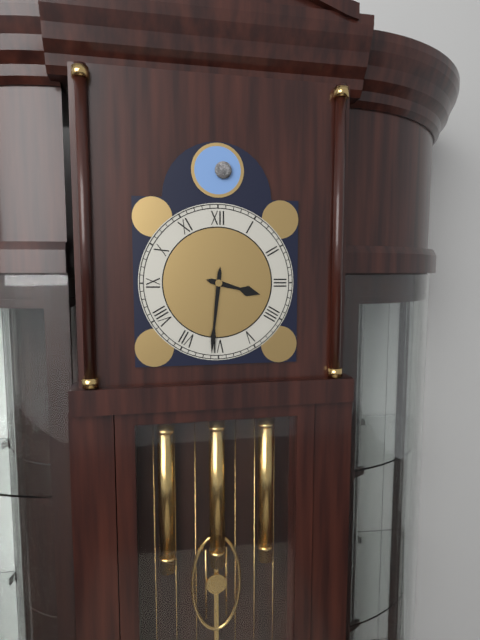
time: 3:31
